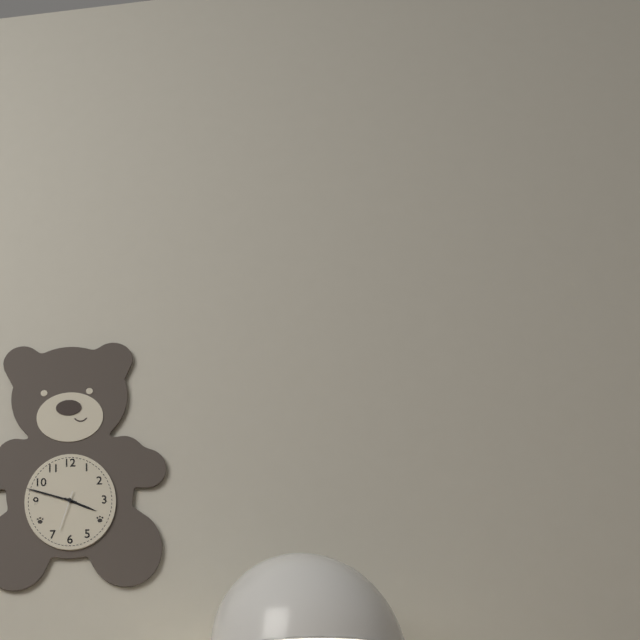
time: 3:48
